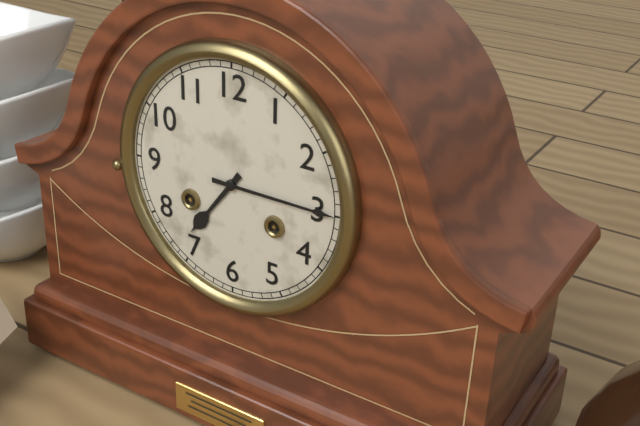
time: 7:15
